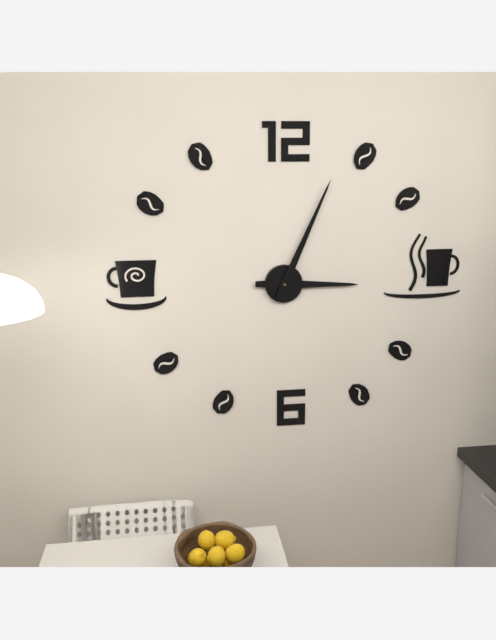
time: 3:04
